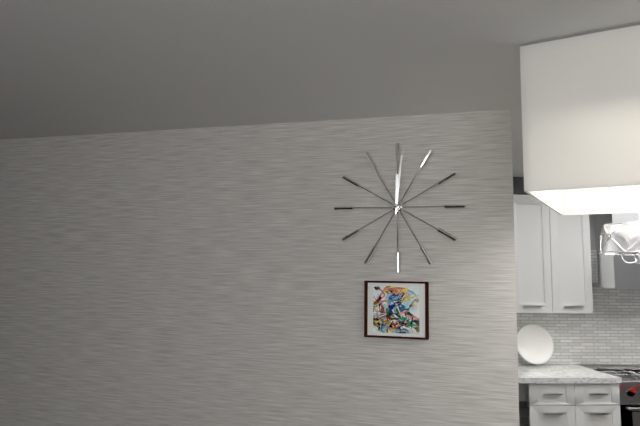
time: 12:01
